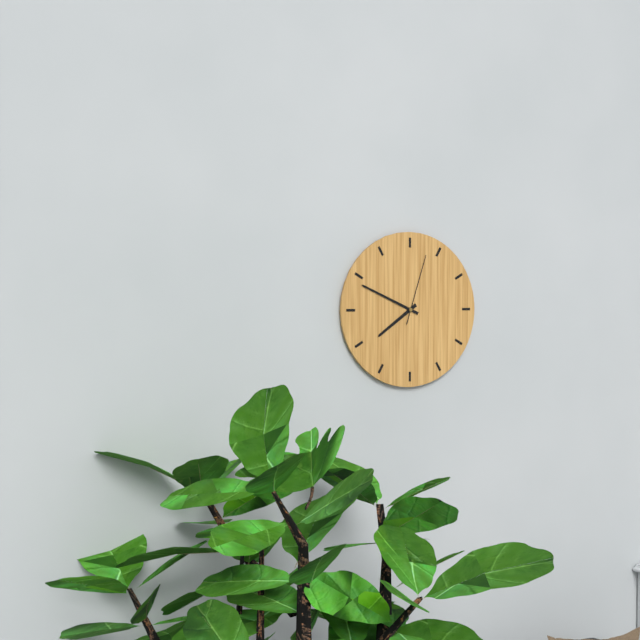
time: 7:49:03
